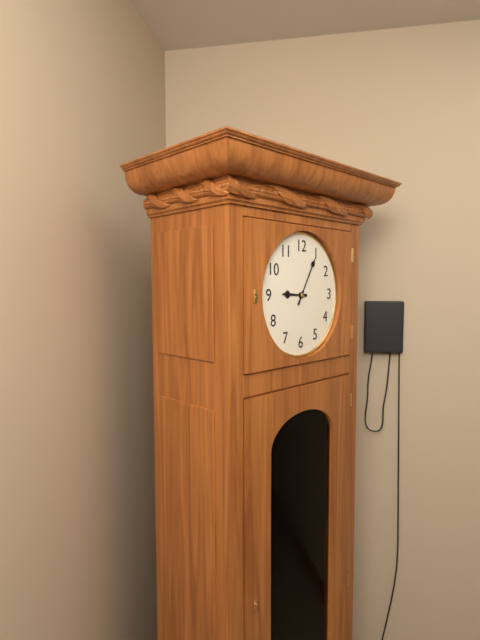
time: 9:05
